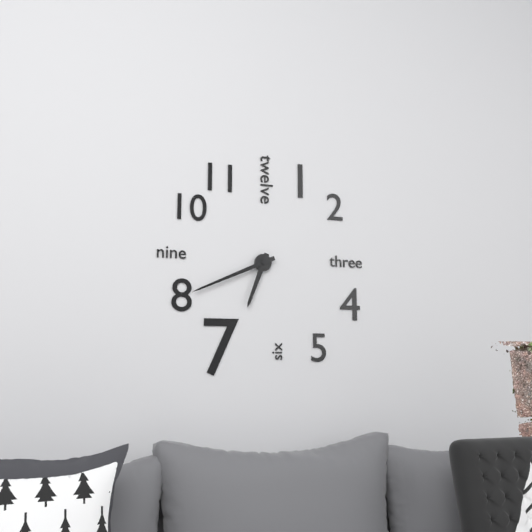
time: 6:41
